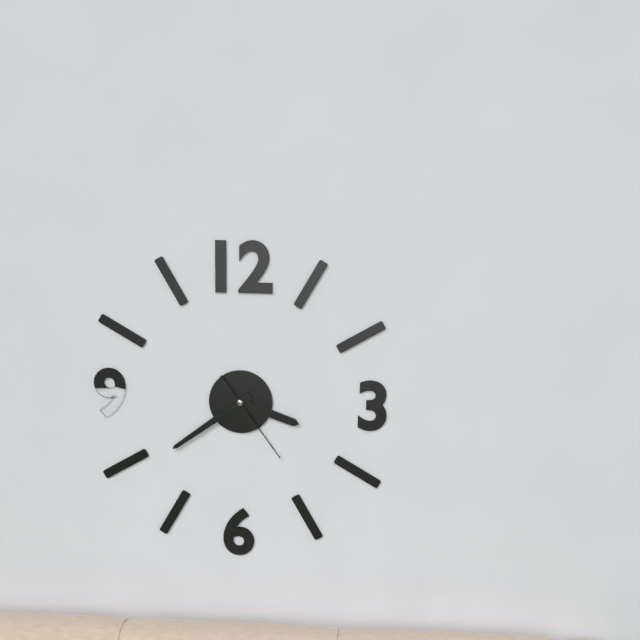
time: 3:39:24
